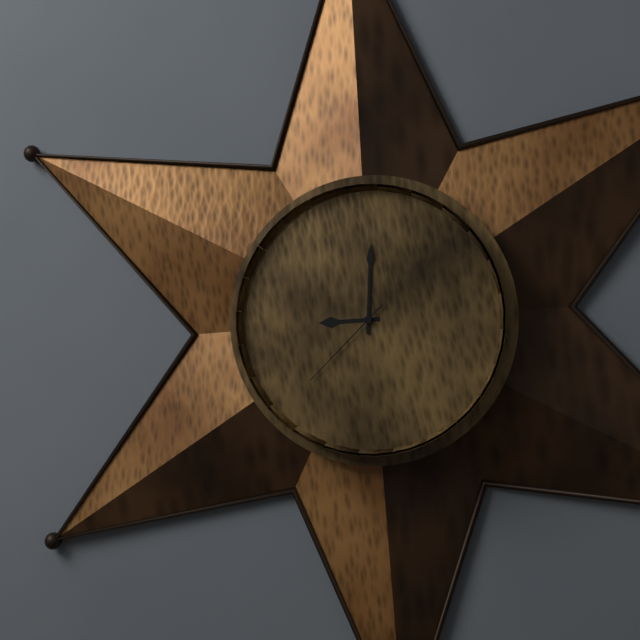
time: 9:01:38
